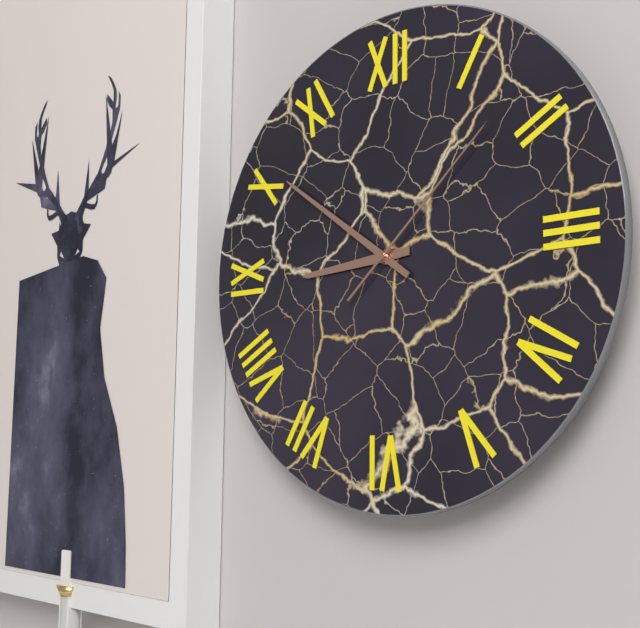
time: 8:51:08
